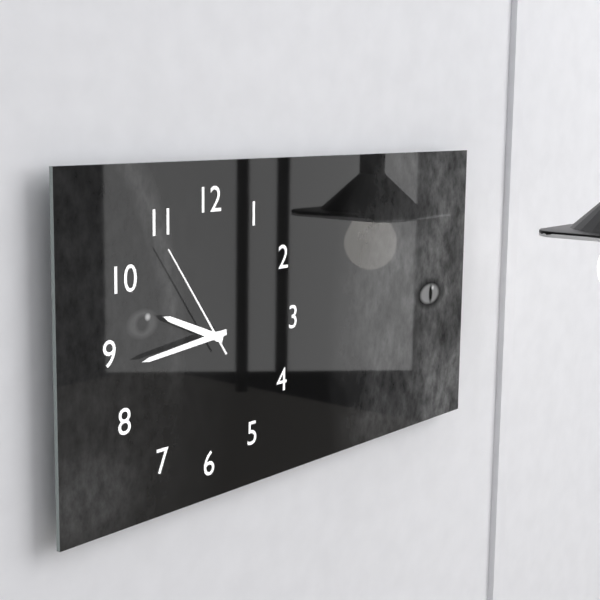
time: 9:44:54
